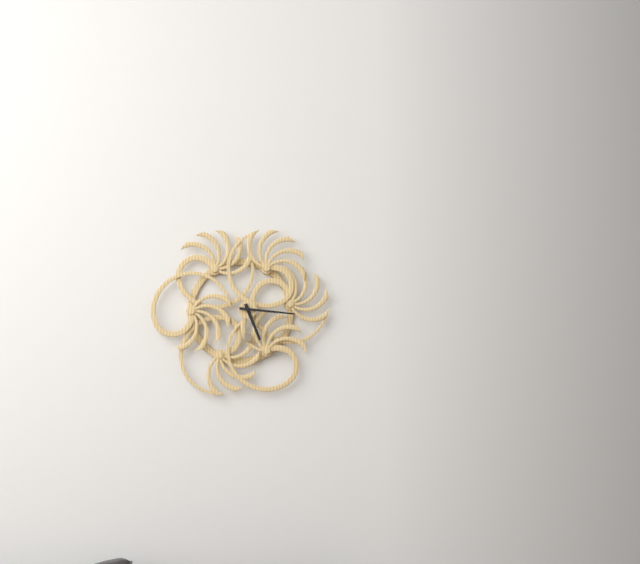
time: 5:16
